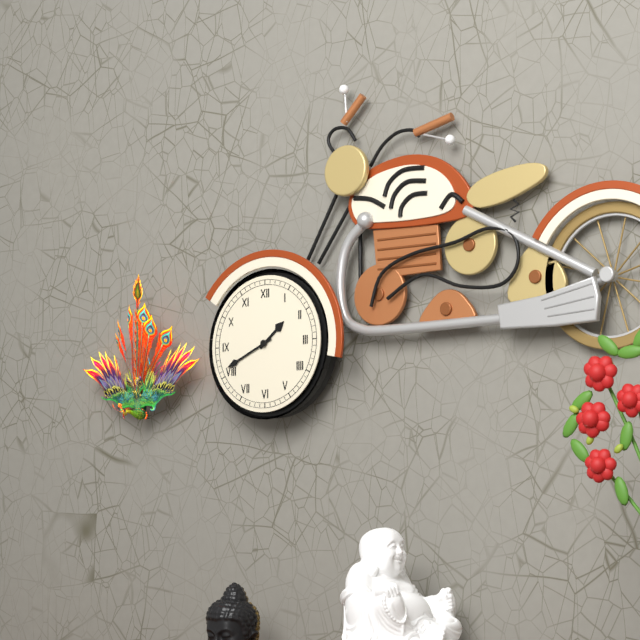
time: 1:41
